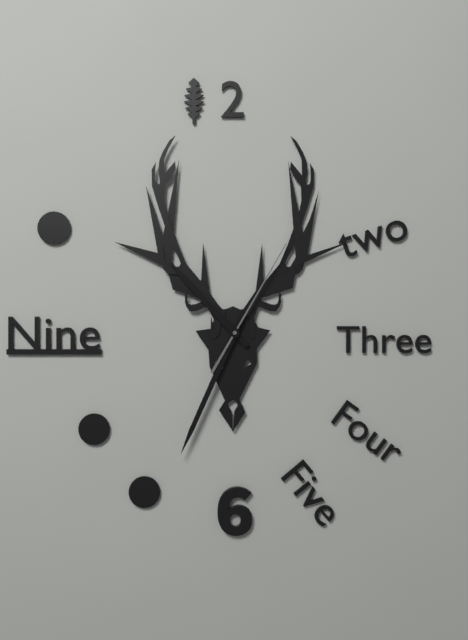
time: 10:34:05
